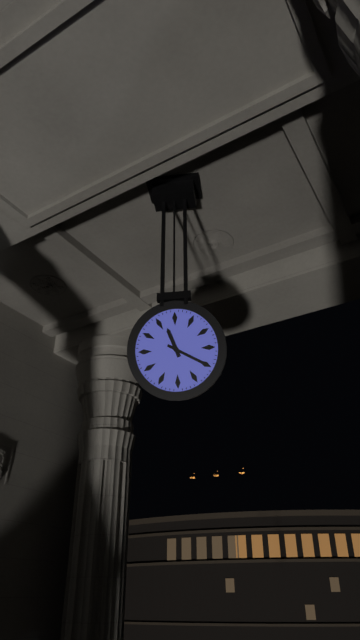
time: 11:20
